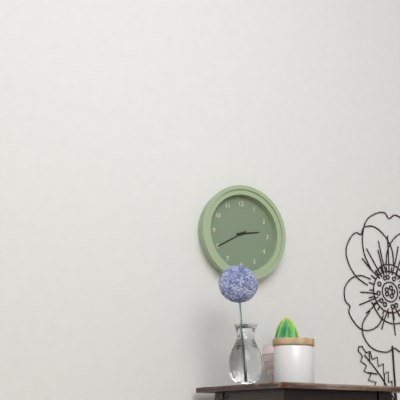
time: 2:40
